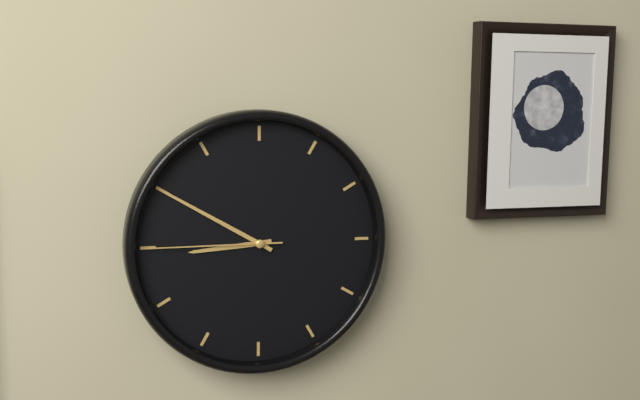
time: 8:50:45
